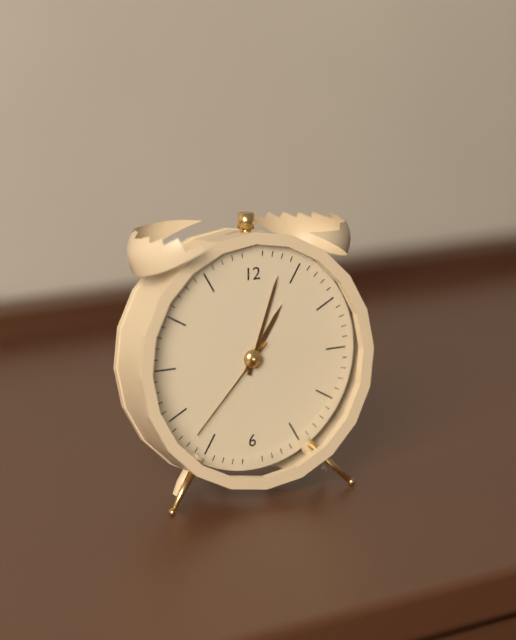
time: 1:03:37
